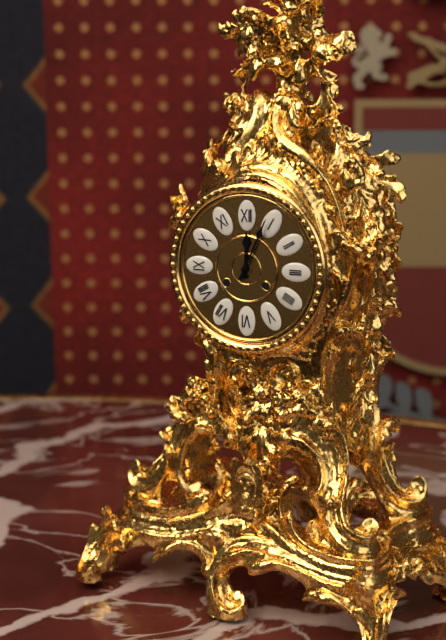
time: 12:04
